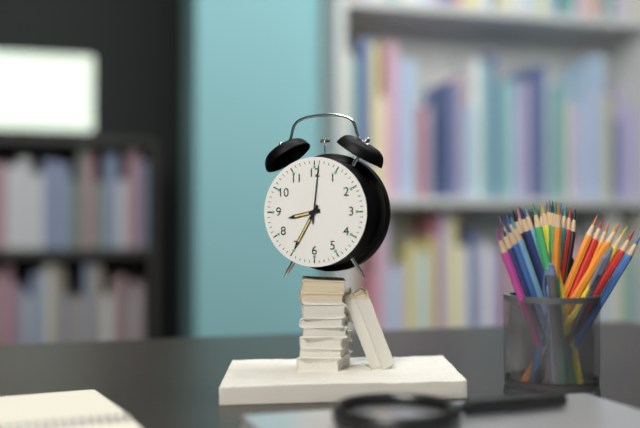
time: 8:35:01
